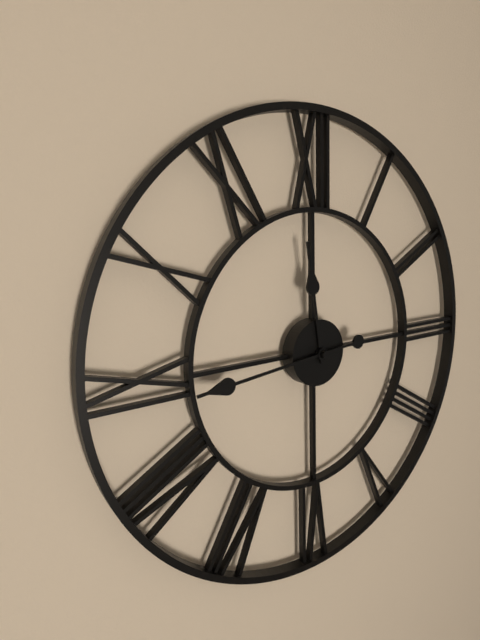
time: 11:44
